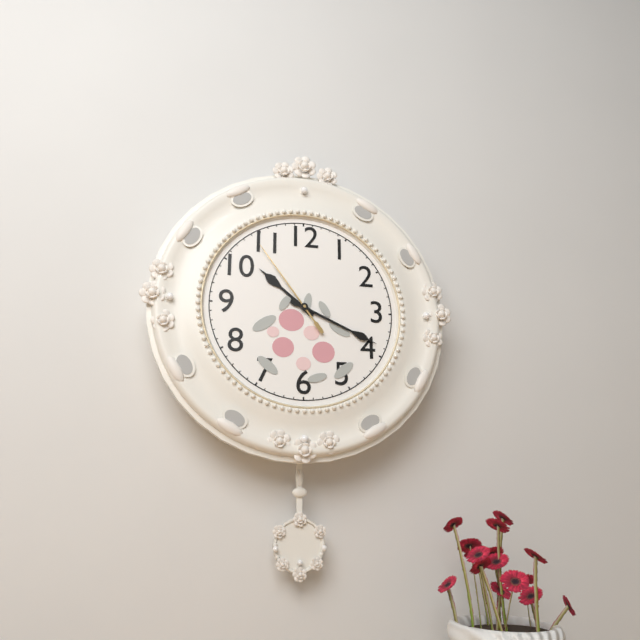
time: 10:19:54
